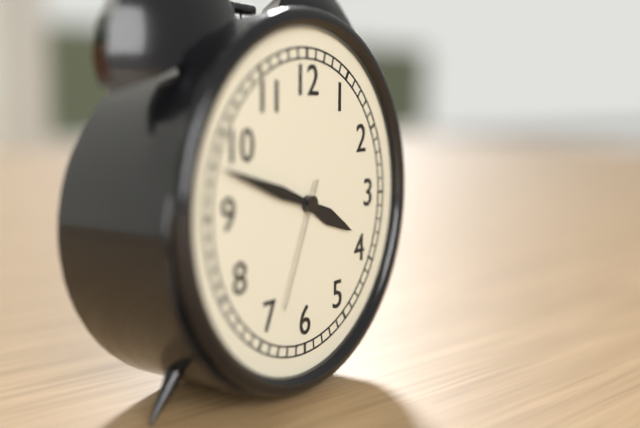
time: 3:48:34
